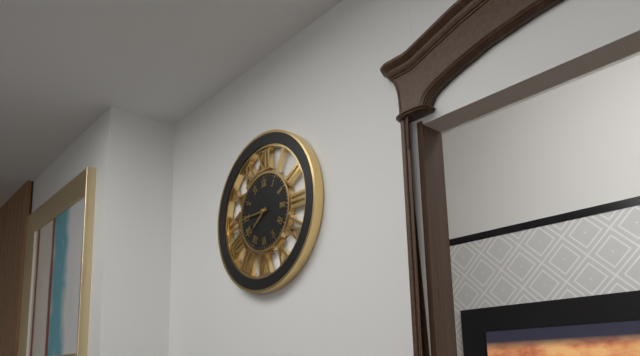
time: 7:45
